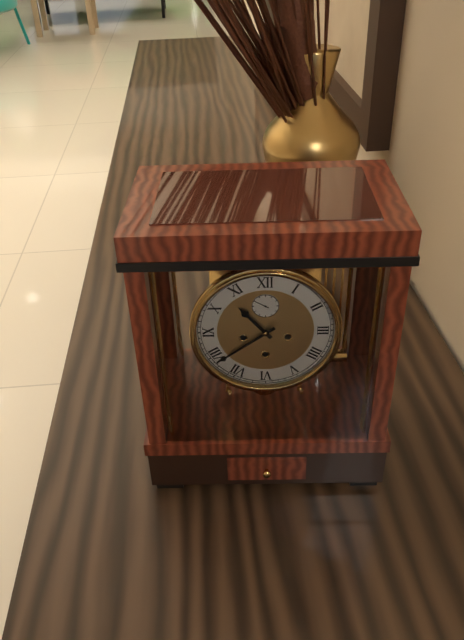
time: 10:39
